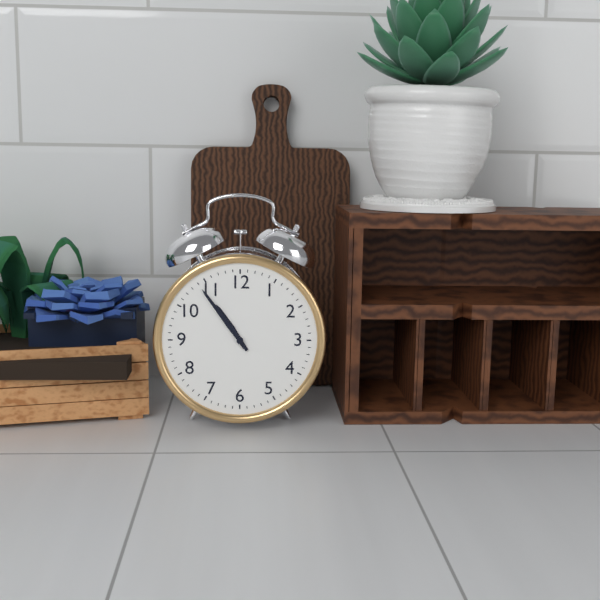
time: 10:54
